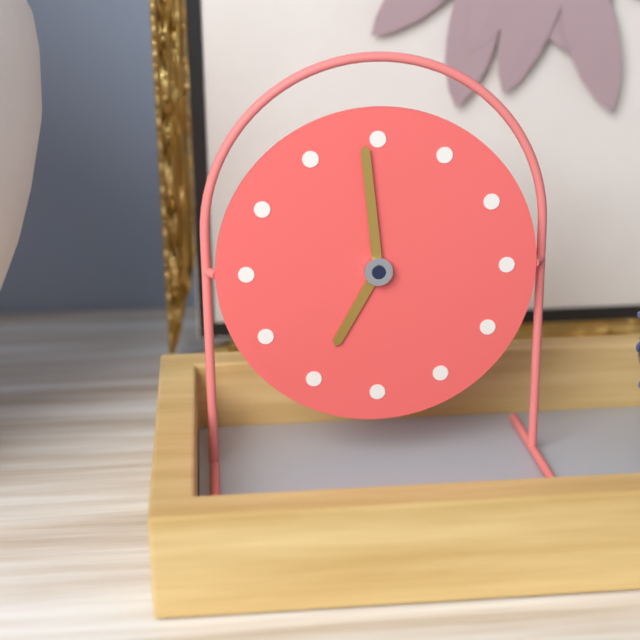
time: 6:59
